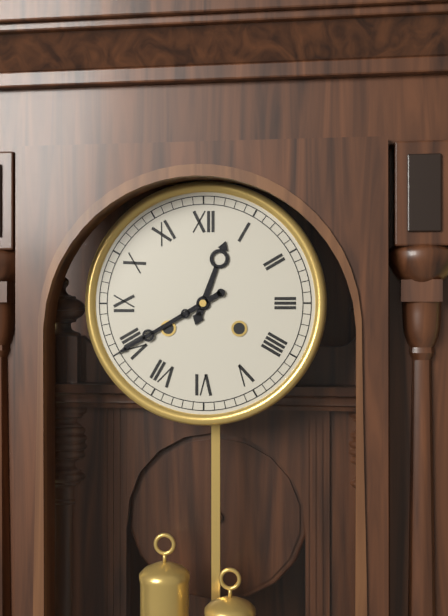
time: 12:40
